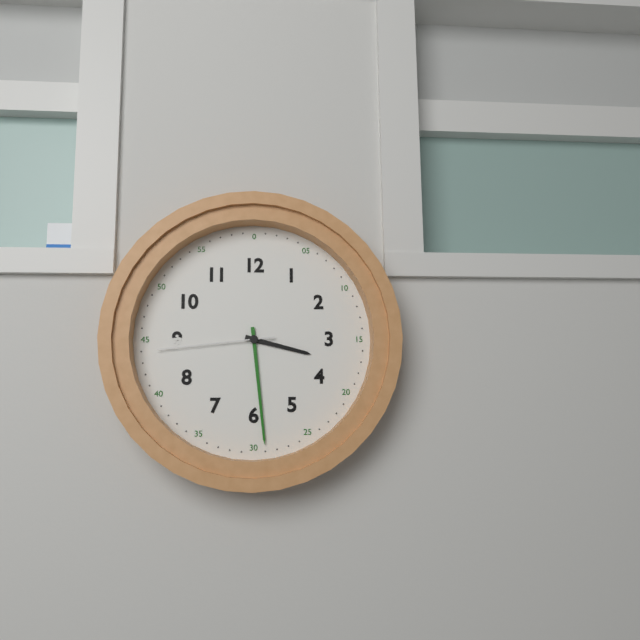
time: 3:29:44
